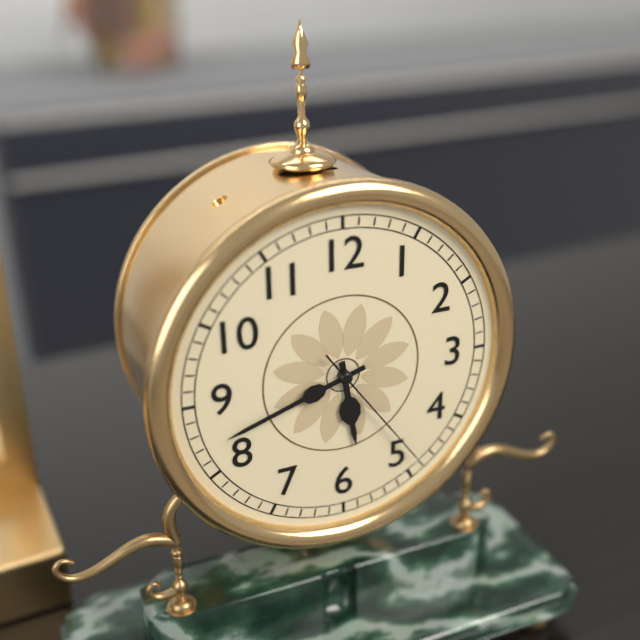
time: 5:42:24
